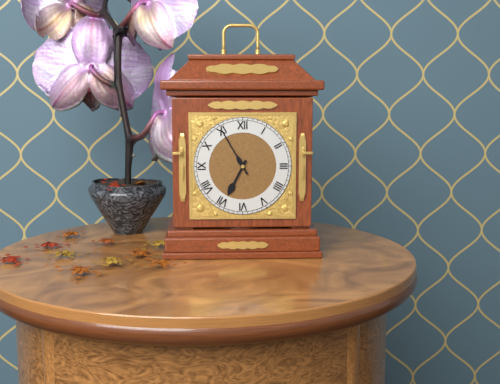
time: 6:55
